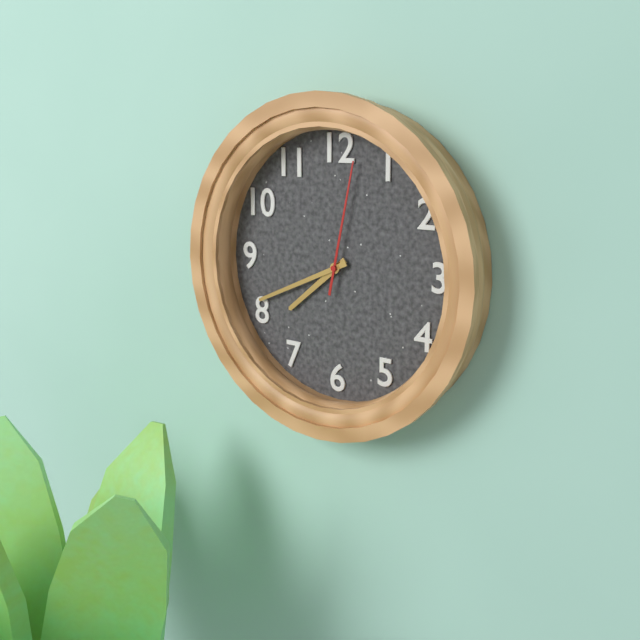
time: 7:41:02
